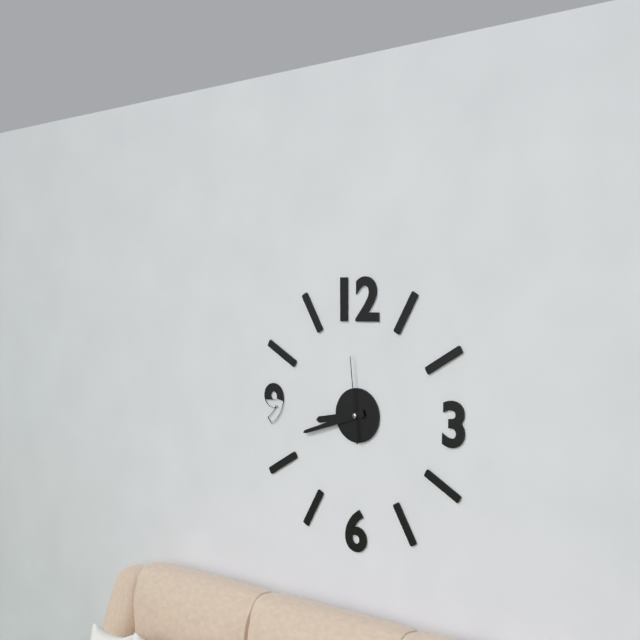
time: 8:42:59
